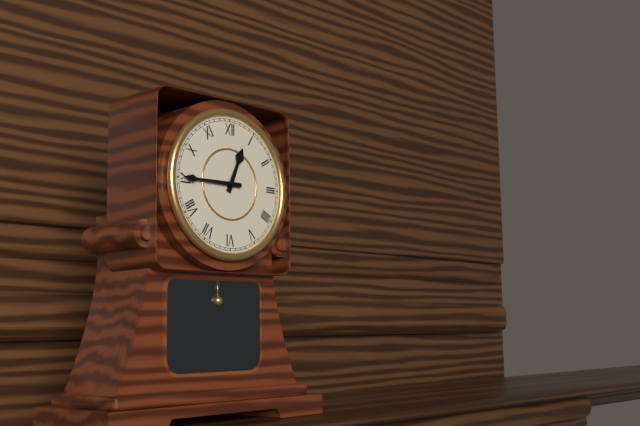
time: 12:45
